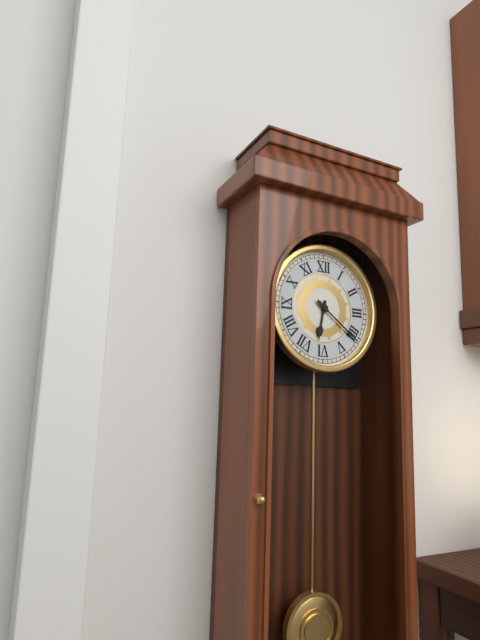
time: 6:21
